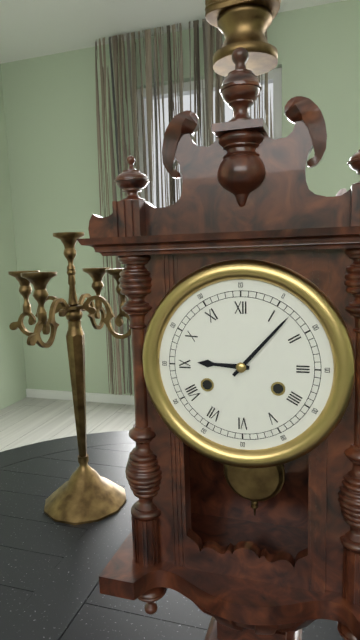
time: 9:07
